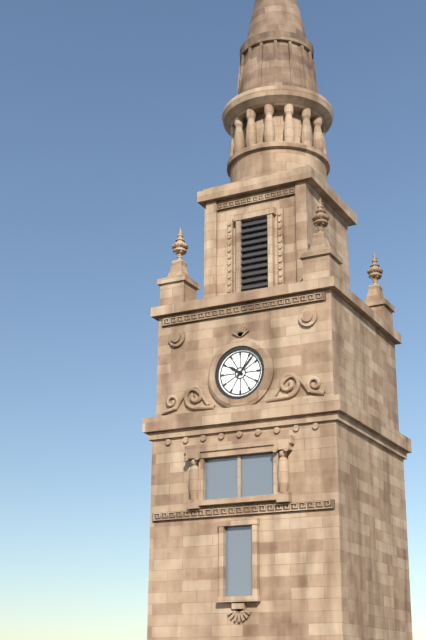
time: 10:07
